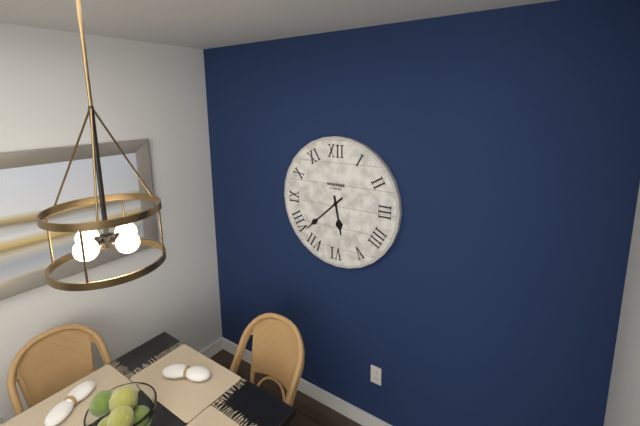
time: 5:38
